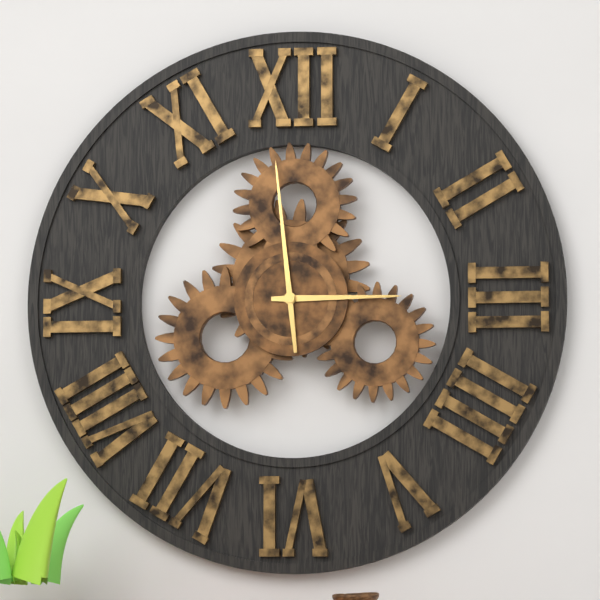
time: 2:59
